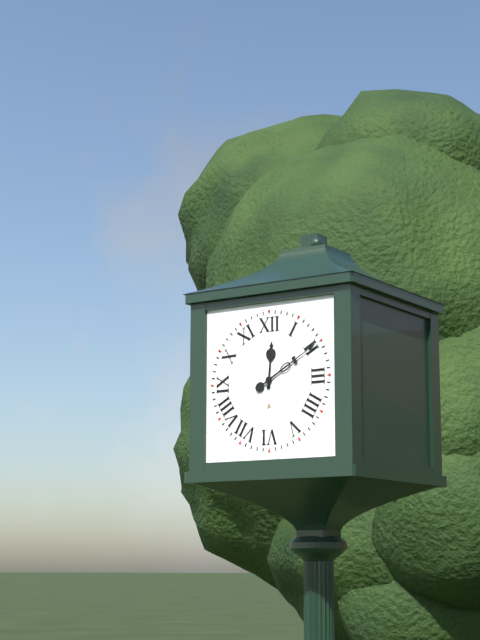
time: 12:10
